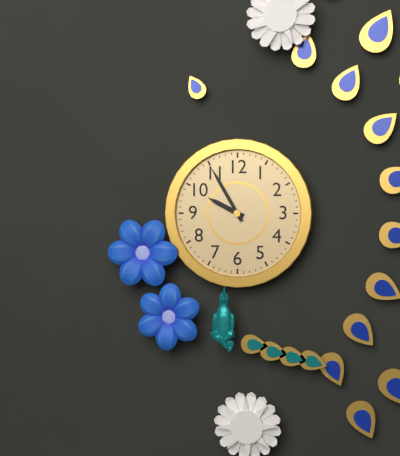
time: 9:55
